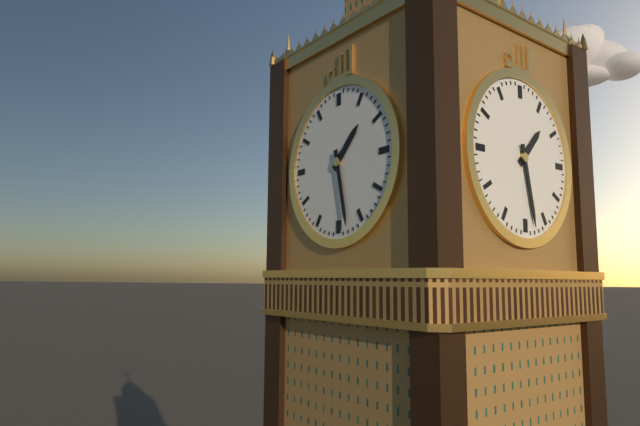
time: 1:28
